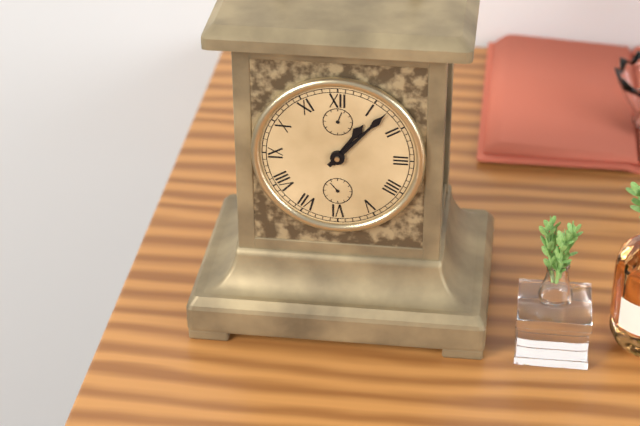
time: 1:07
